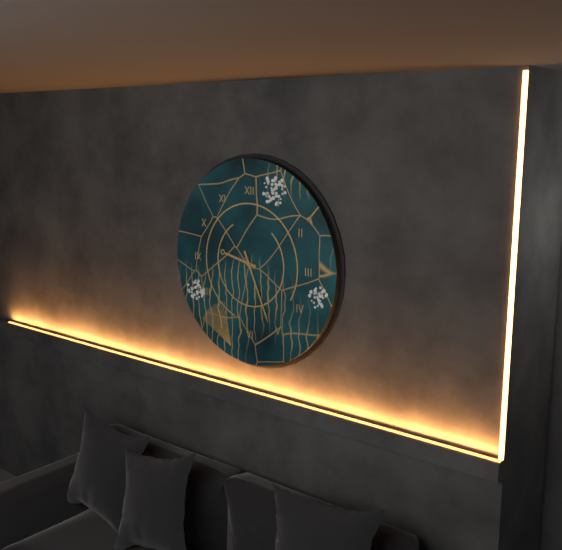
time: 9:26
